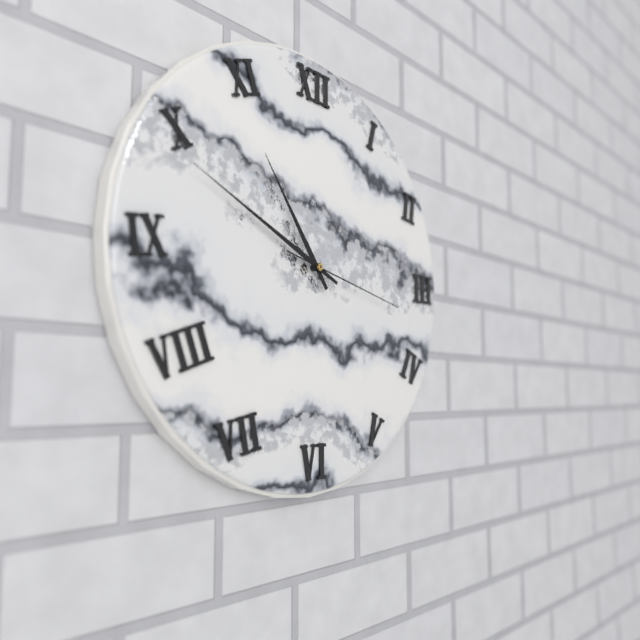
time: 10:49:17
